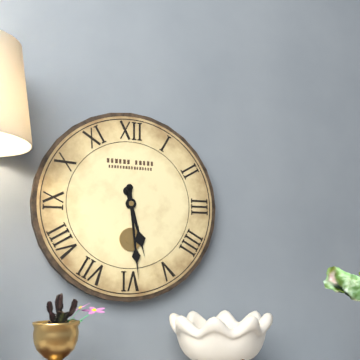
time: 5:29
